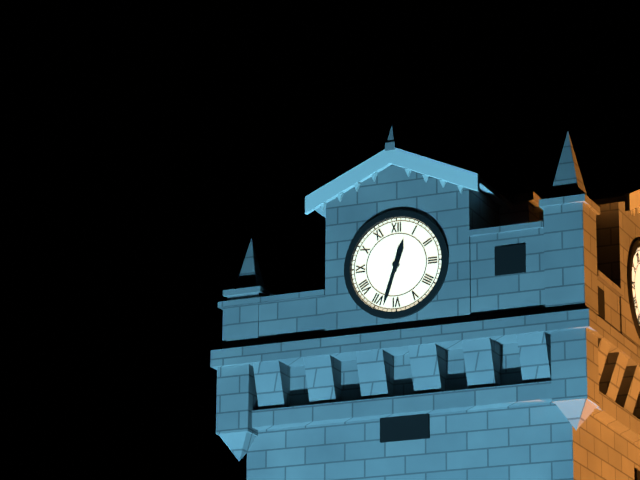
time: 12:33
